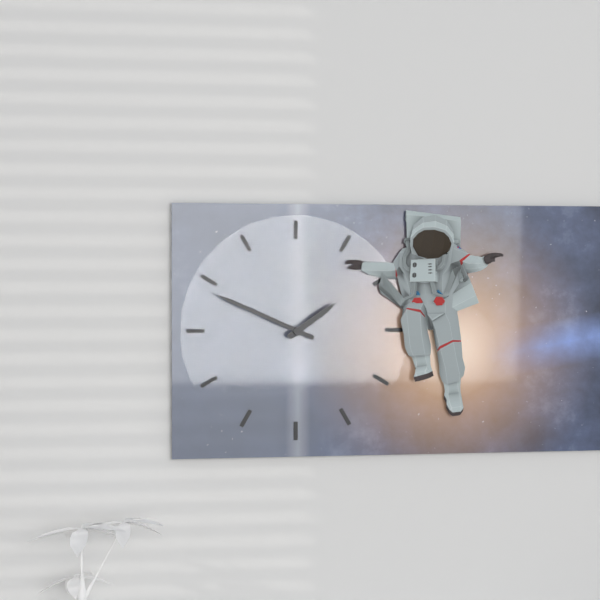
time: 1:49
